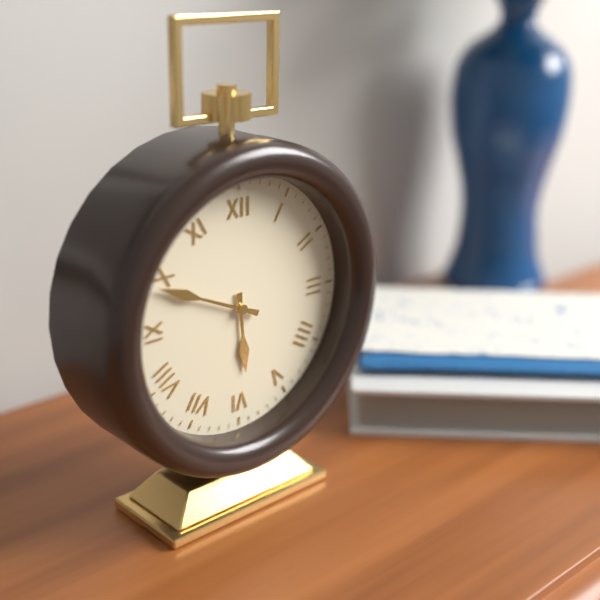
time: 5:49
